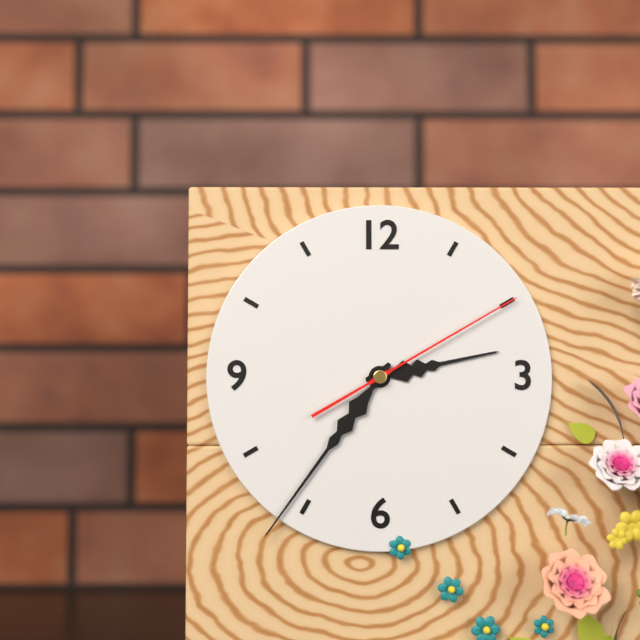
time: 2:36:10
